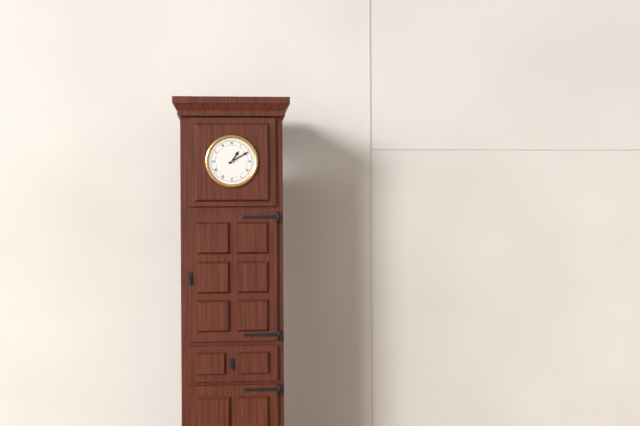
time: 1:10
